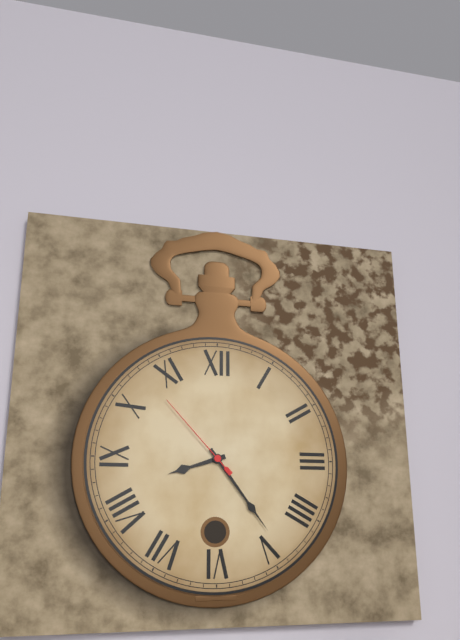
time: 8:24:53
